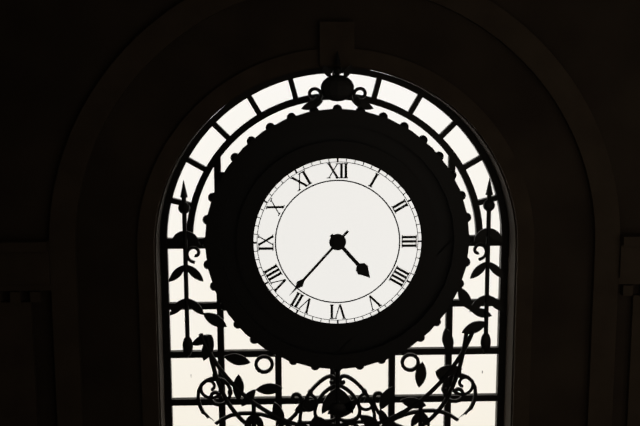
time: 4:37
